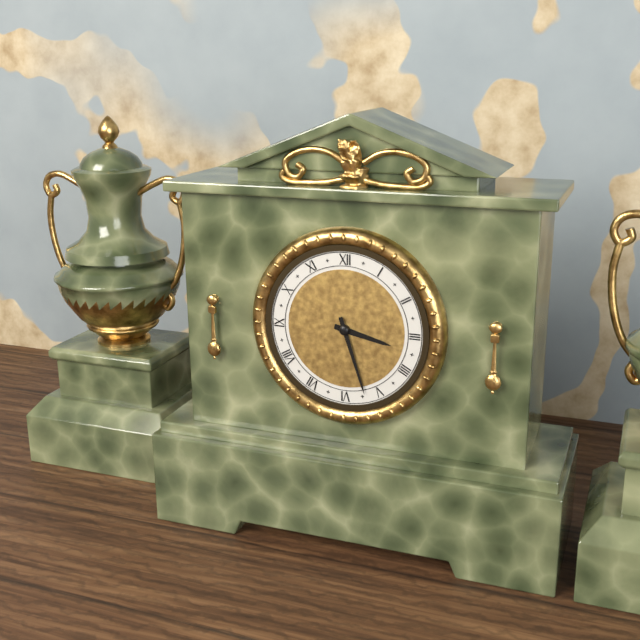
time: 3:27
